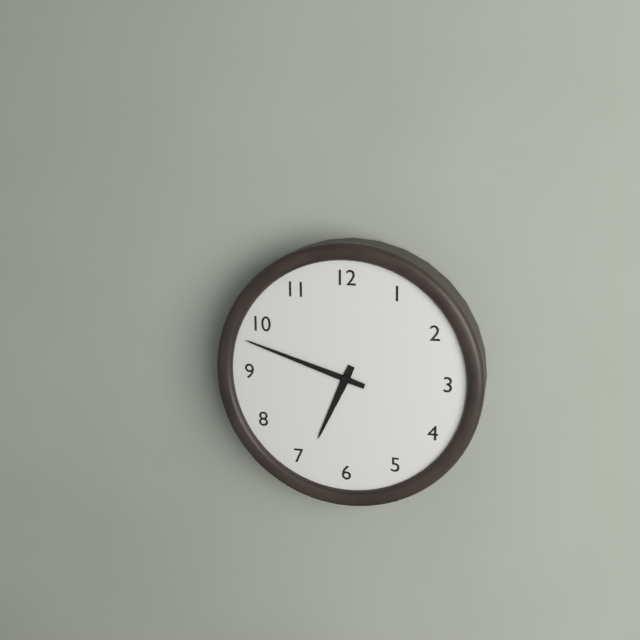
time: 6:48
